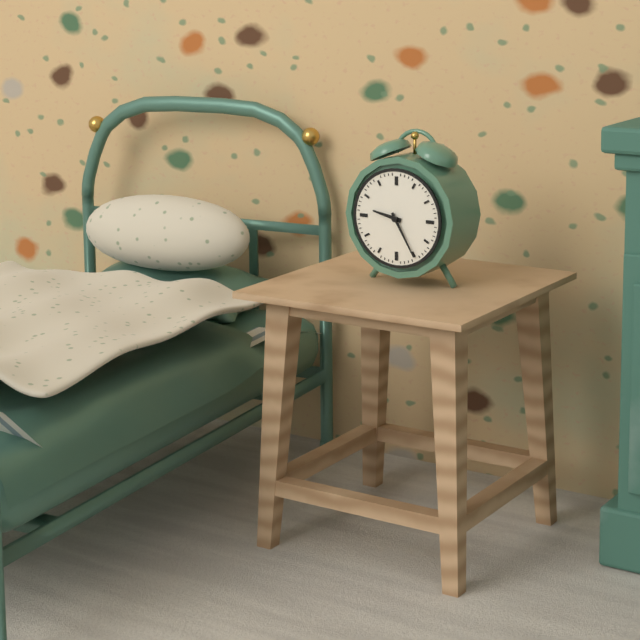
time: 9:25
